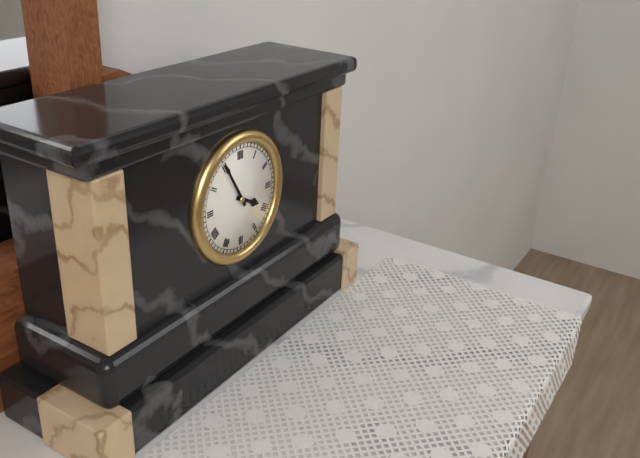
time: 3:55
